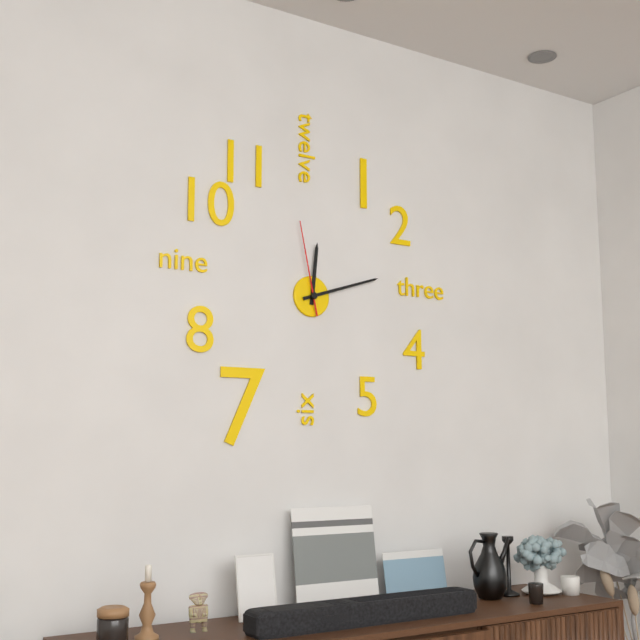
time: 12:12:58
